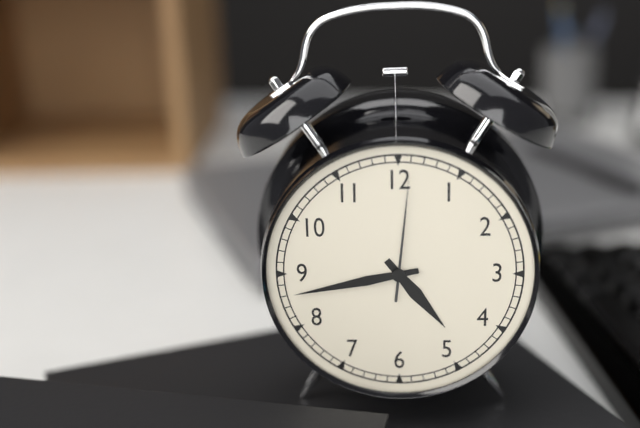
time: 4:43:01
